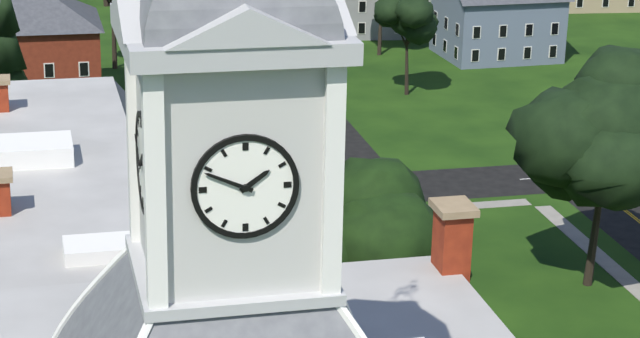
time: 1:49
